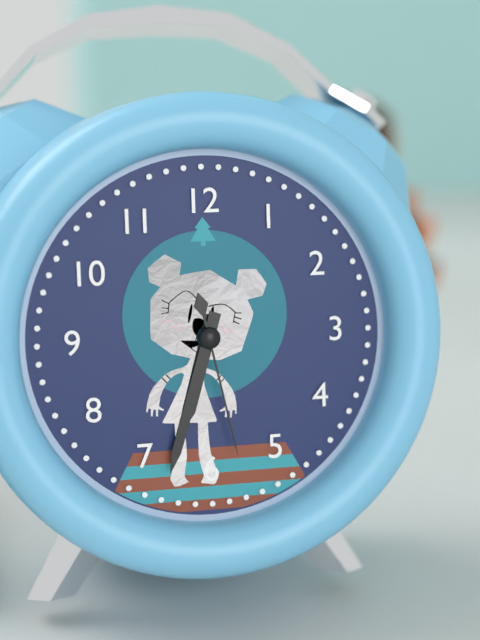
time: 6:33:28
